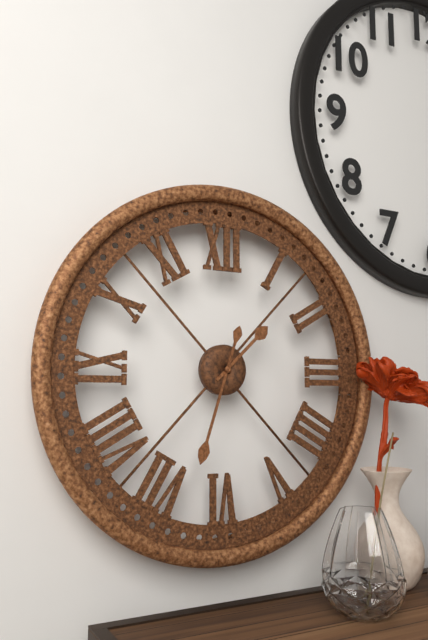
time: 1:33
